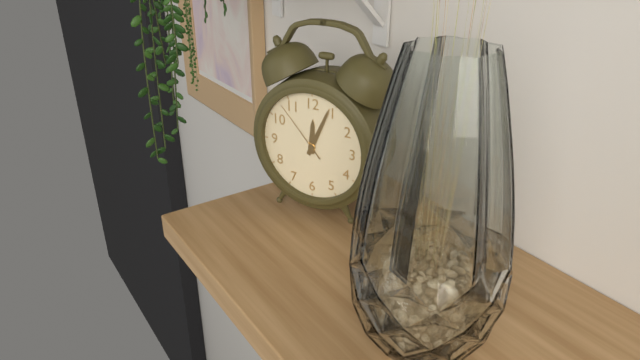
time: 12:04:53
